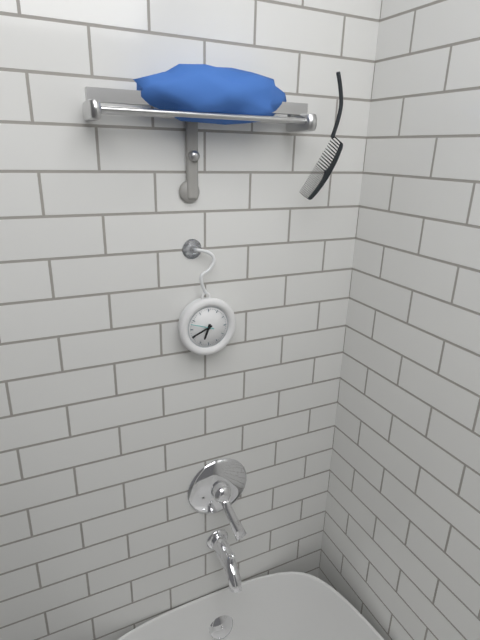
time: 6:41
